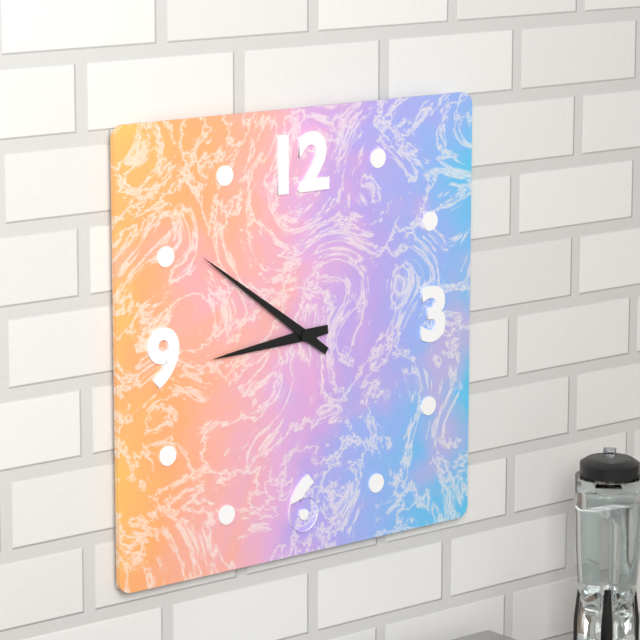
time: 8:51
